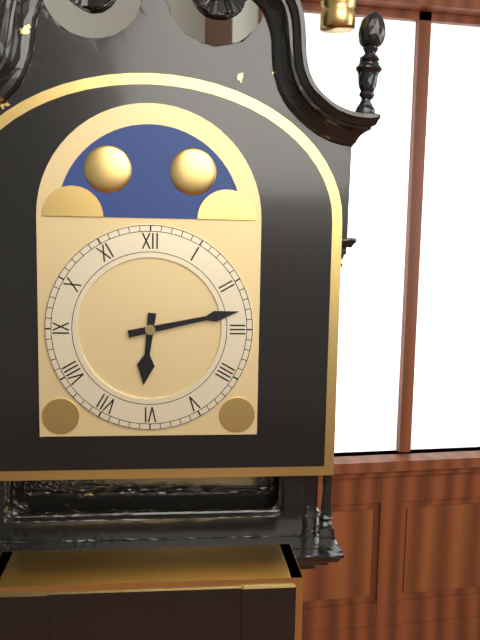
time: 6:13
